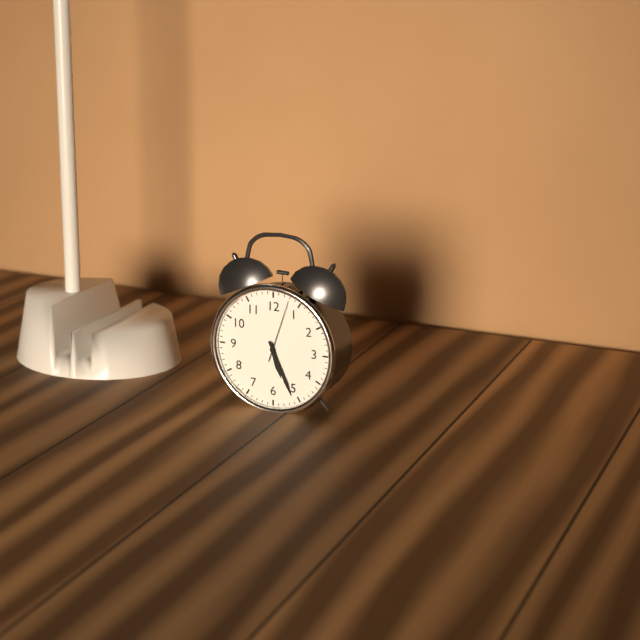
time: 5:26:03
